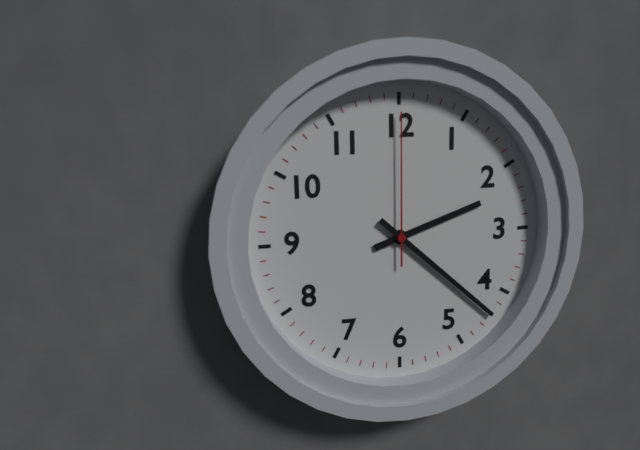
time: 2:22:00
